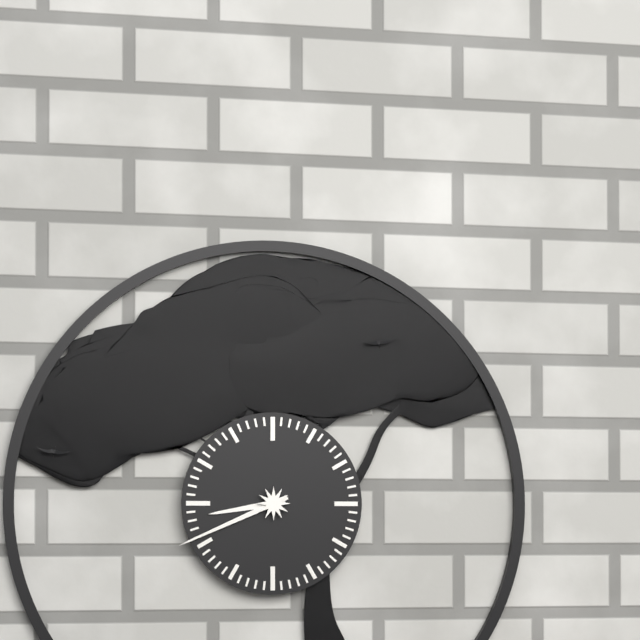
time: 8:41
